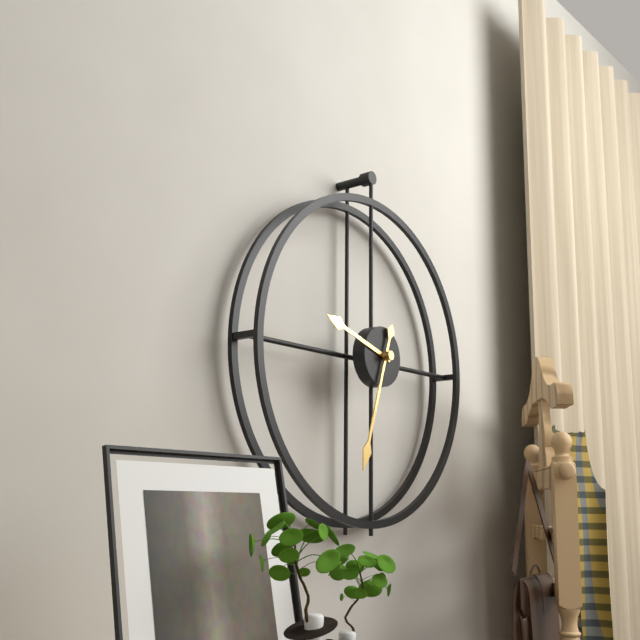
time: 9:33
